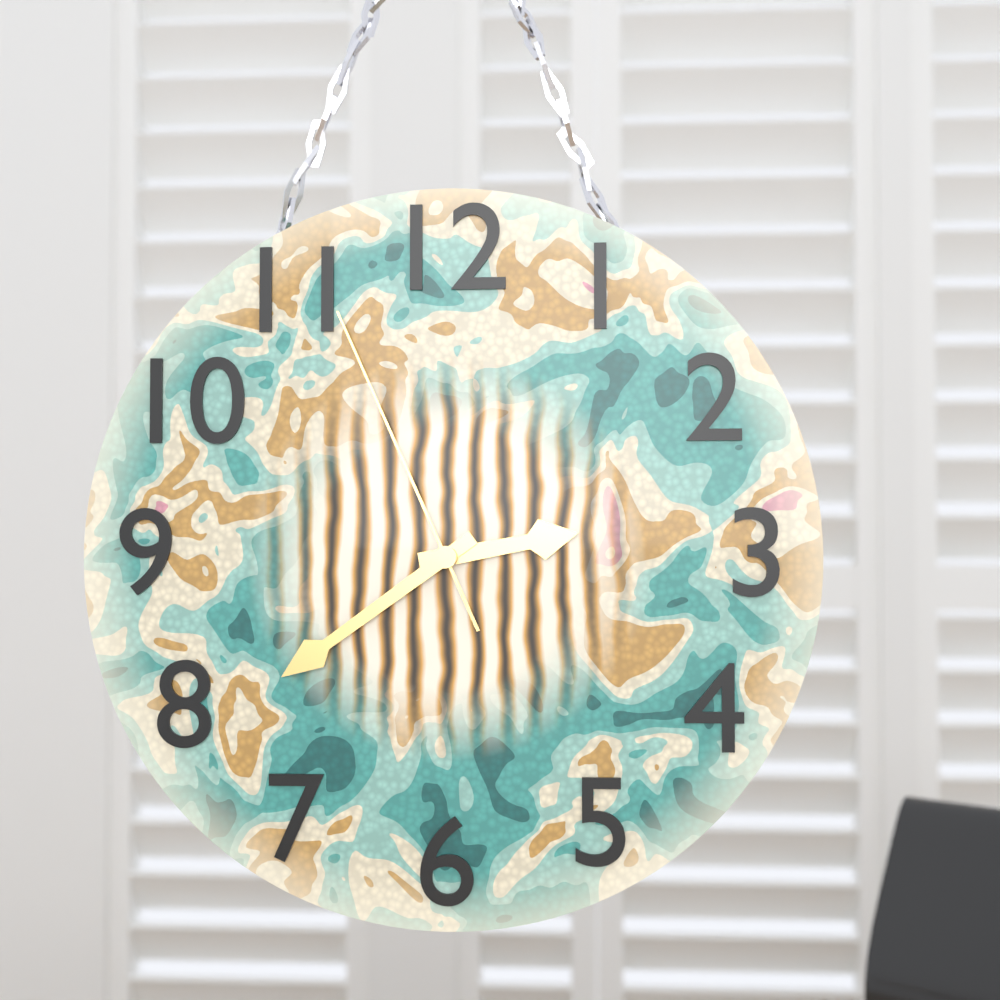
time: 2:39:56
